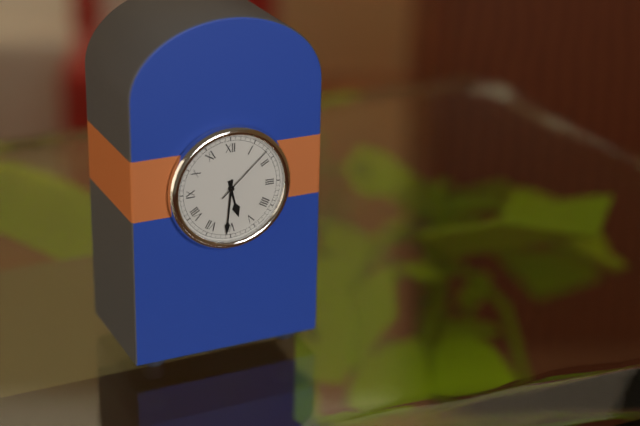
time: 5:31:08
